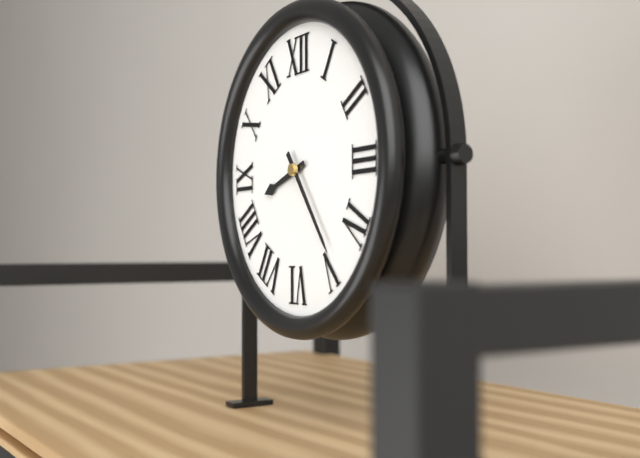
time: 8:24
